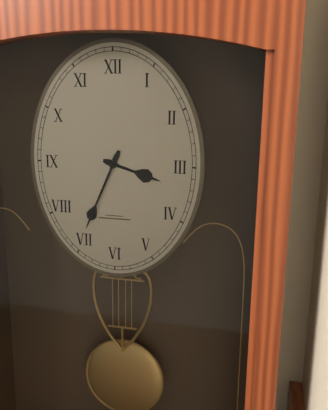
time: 3:34
